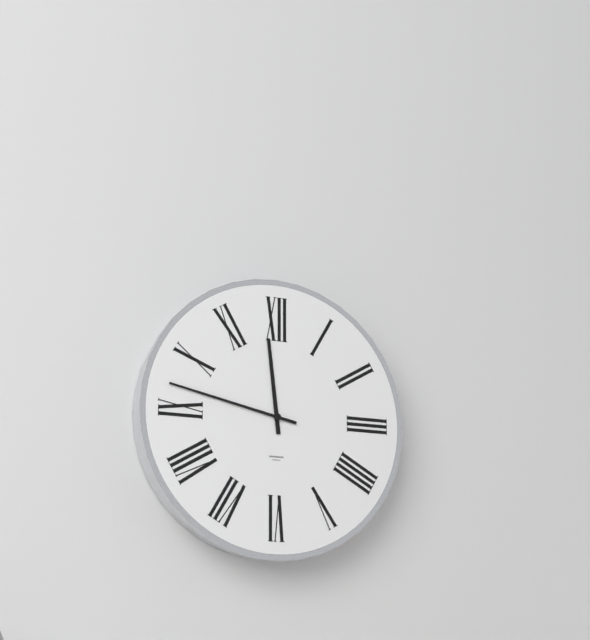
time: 11:47
